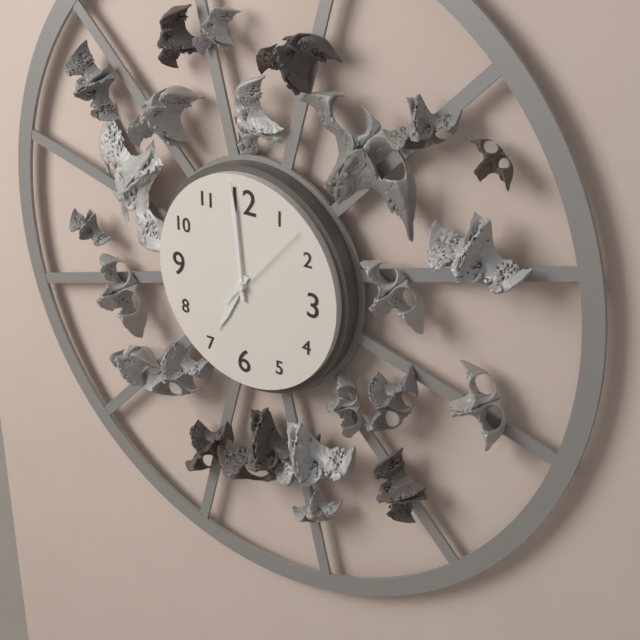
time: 6:59:07
